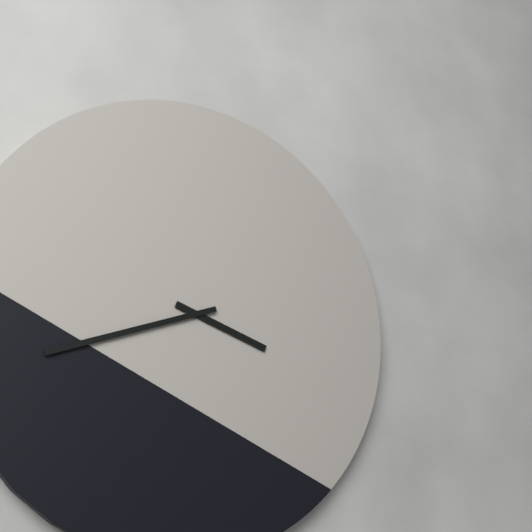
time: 3:42
